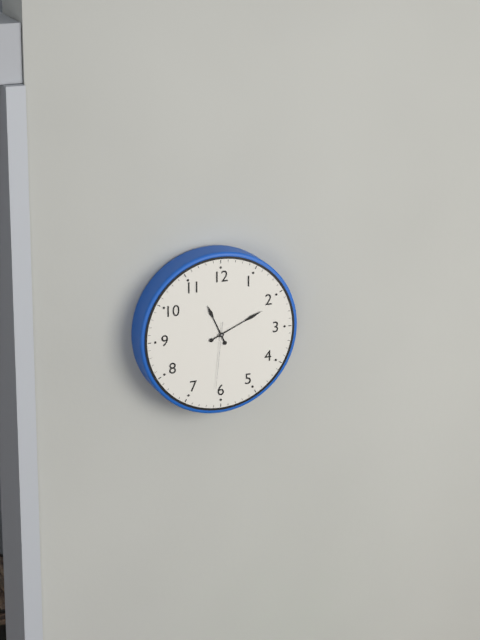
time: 11:11:31
